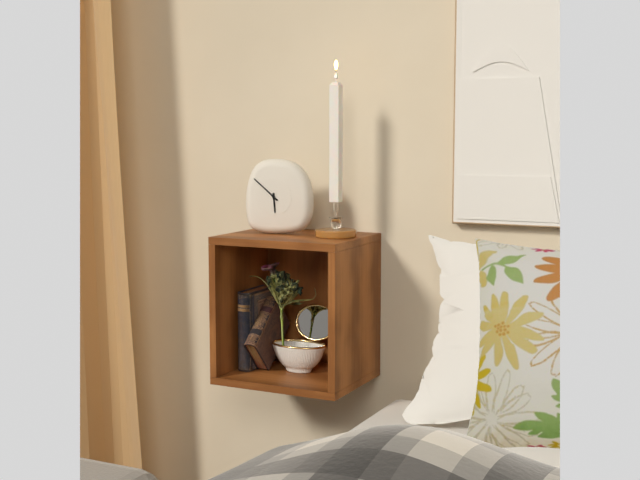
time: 5:52
